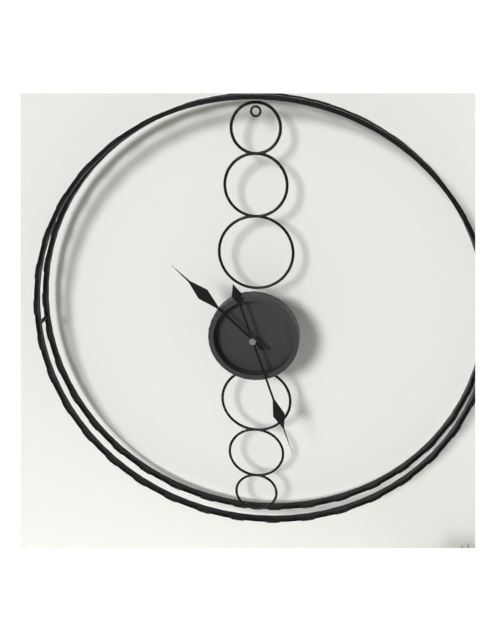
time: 10:27
